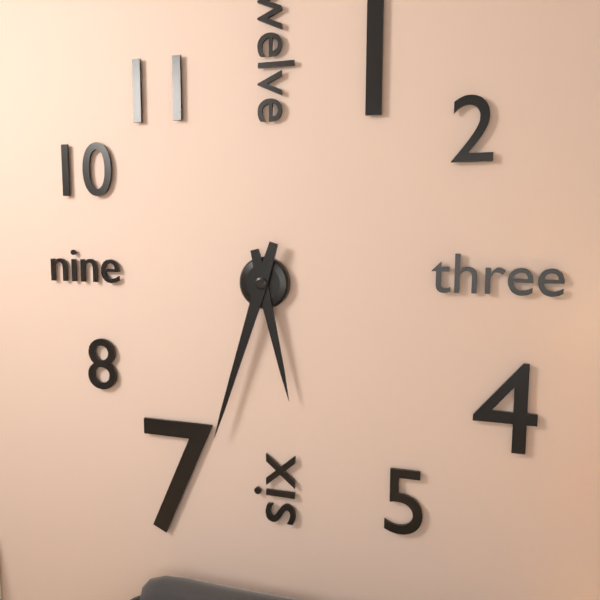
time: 5:33
